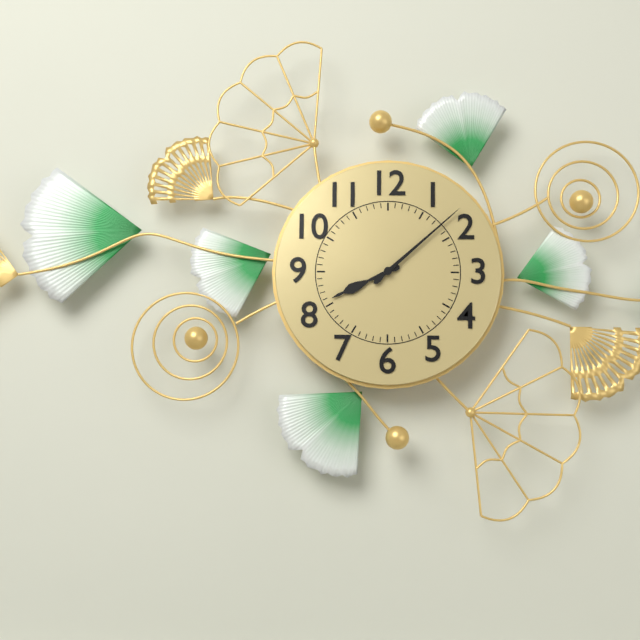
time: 8:08
